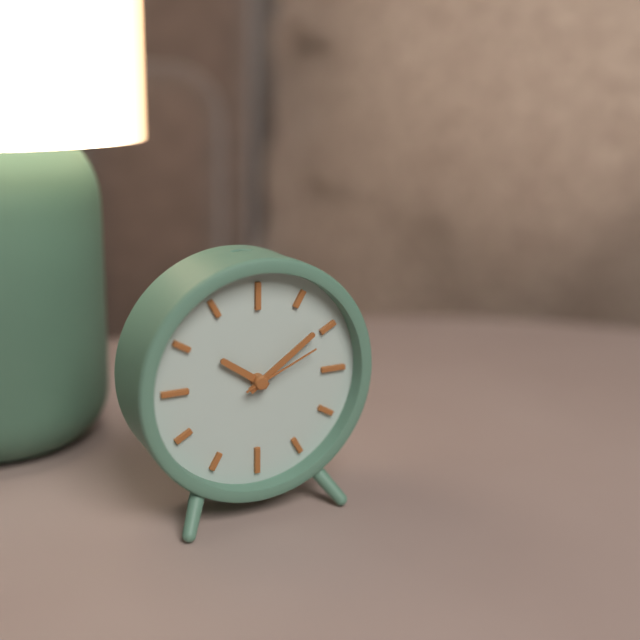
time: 10:09:11
